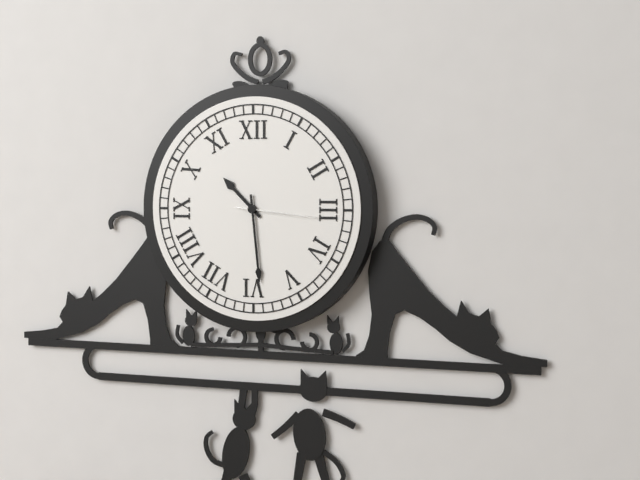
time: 10:29:16
